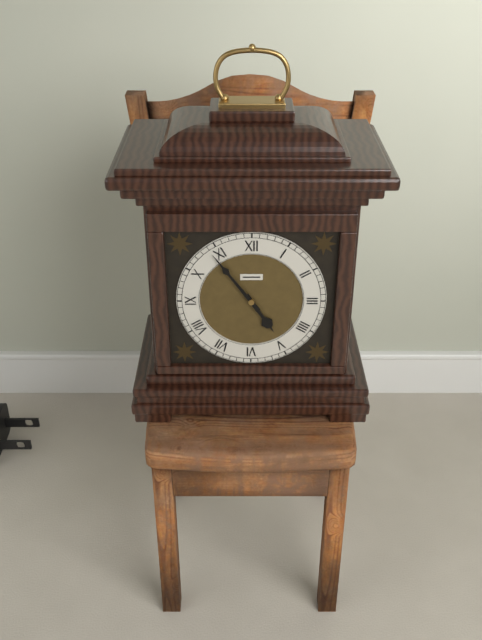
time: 4:54
